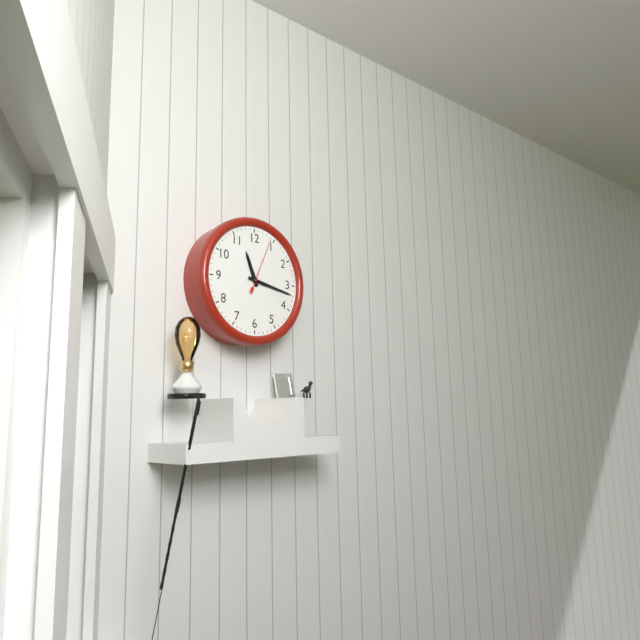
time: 11:17:04
